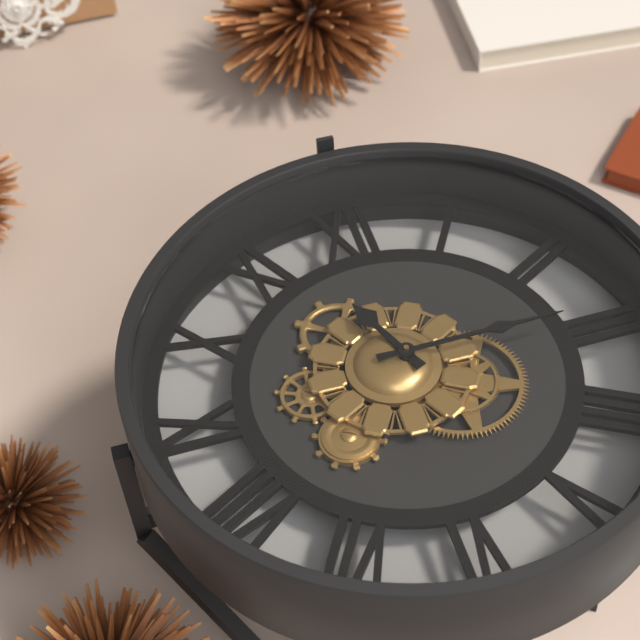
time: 11:15
